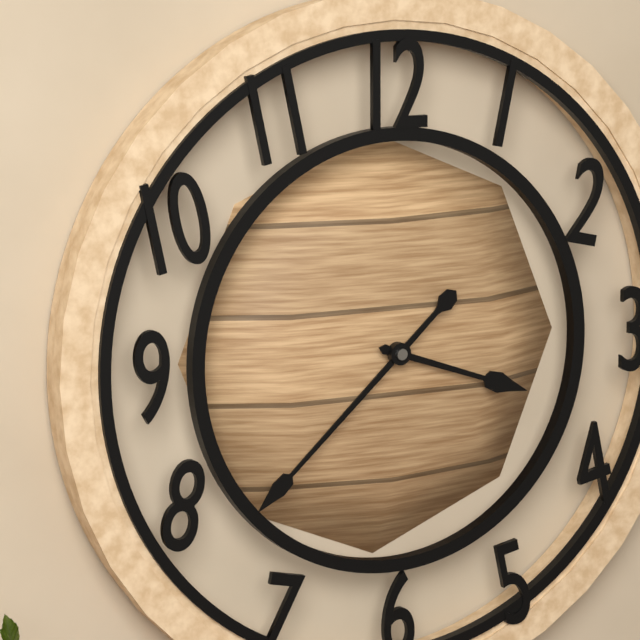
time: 3:38
